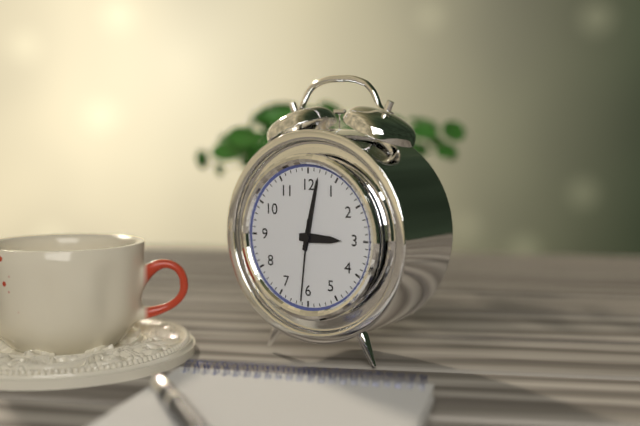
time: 3:02:31
